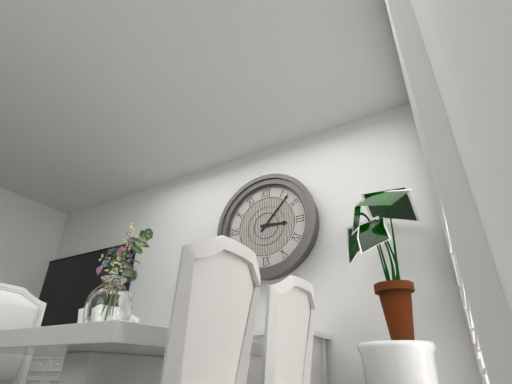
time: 3:07
